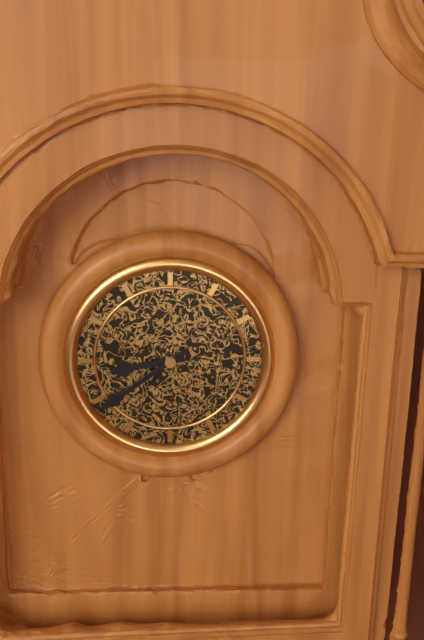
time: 8:39
